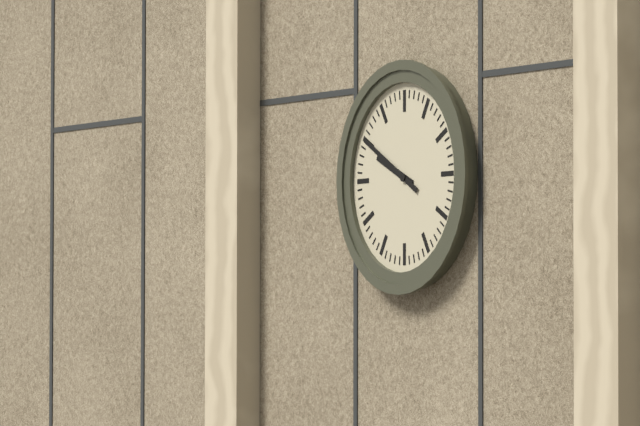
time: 9:50
